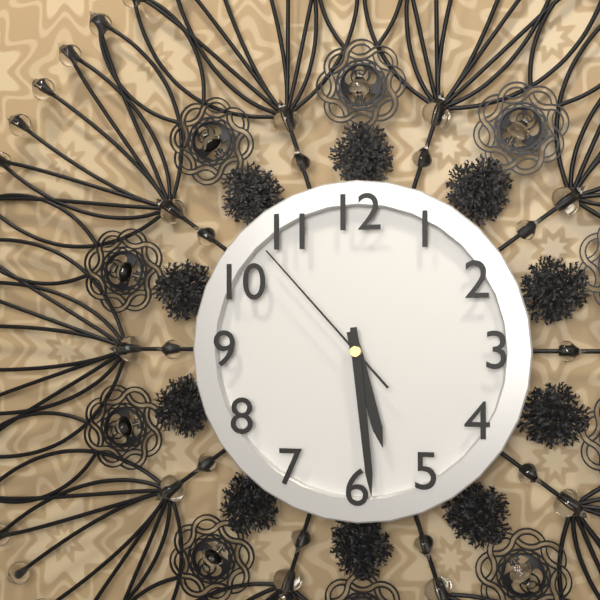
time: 5:29:53
